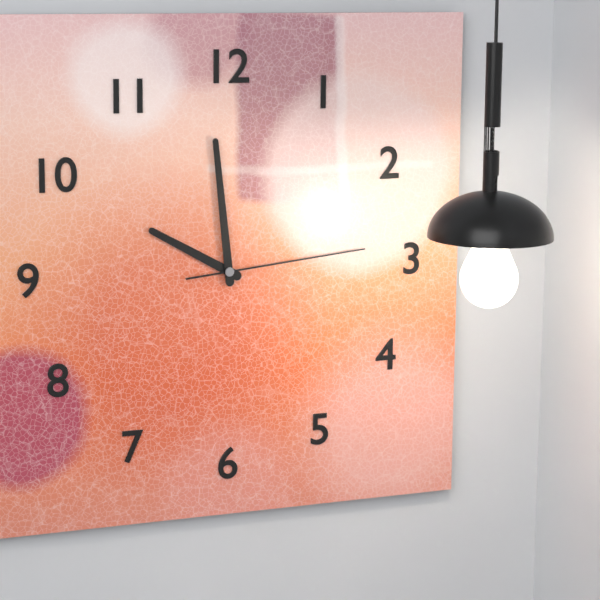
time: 9:59:14
